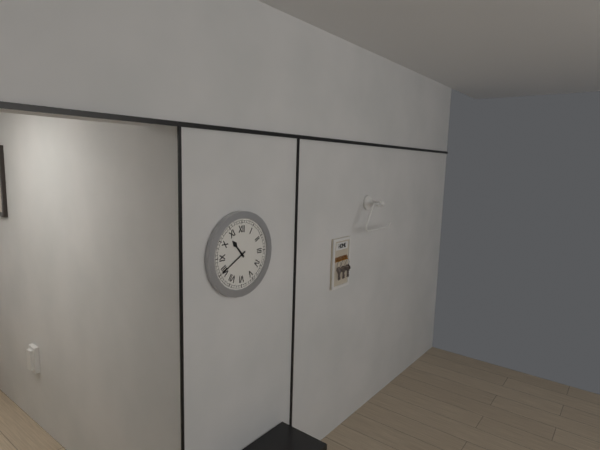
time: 10:40
